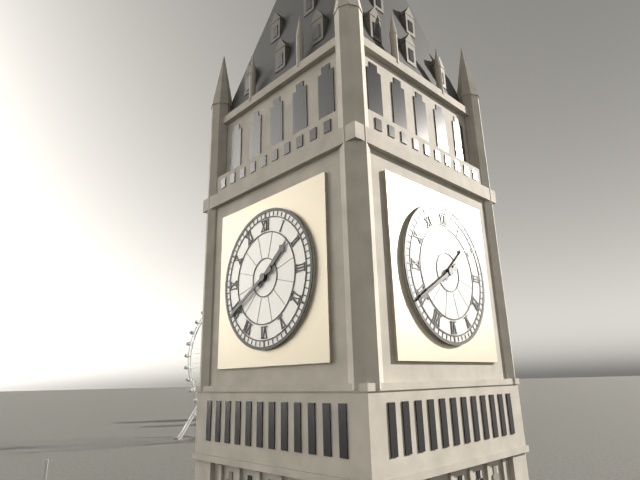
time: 1:40
